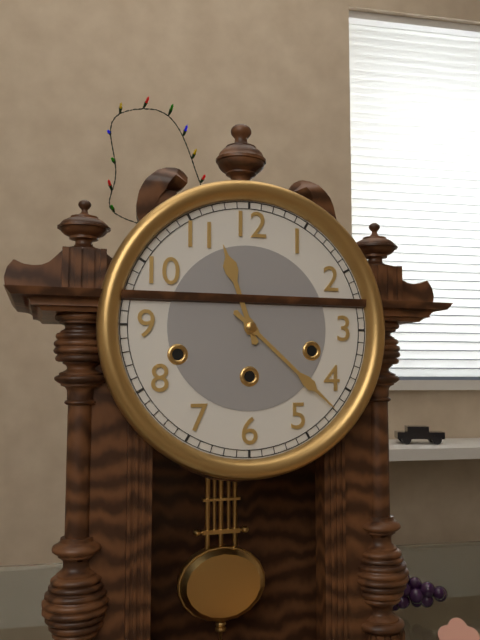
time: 11:22
